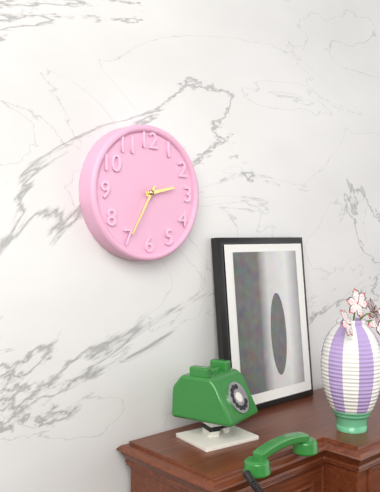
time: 2:35
